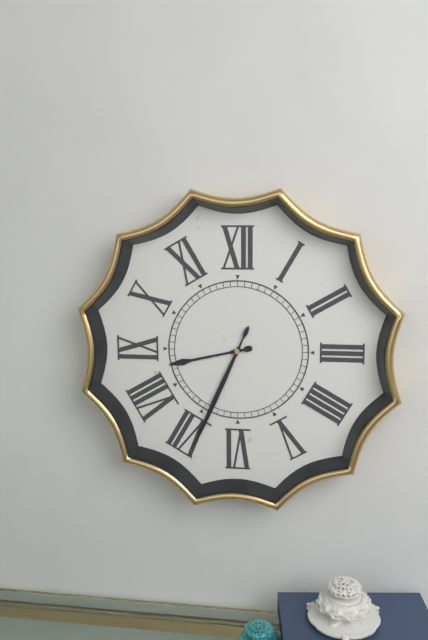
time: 8:34
